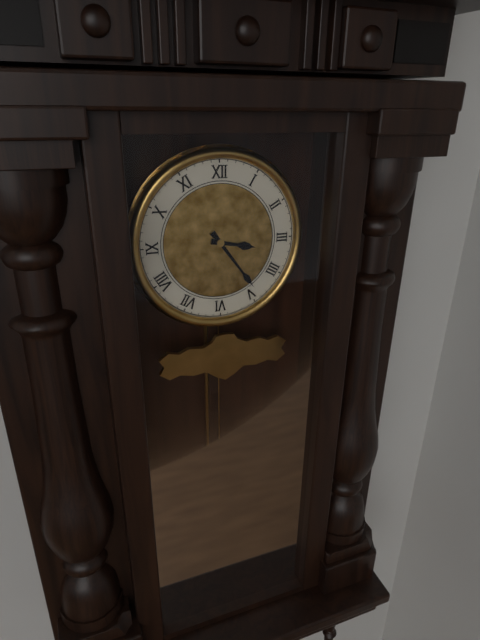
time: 3:24
